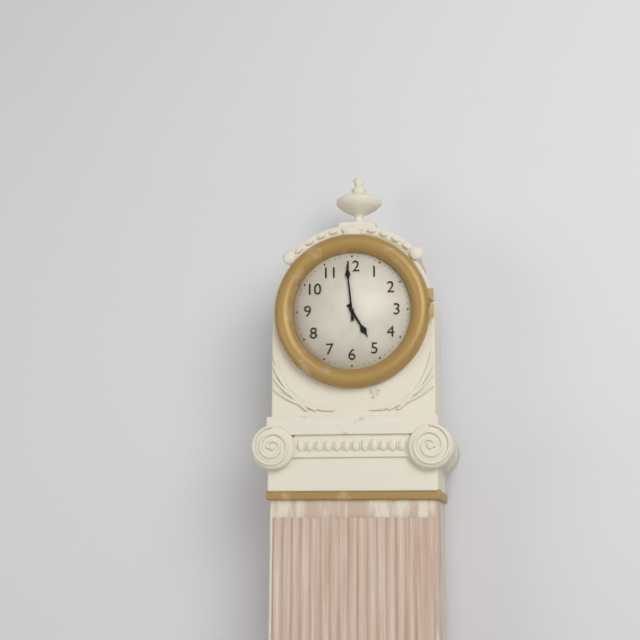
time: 4:59
